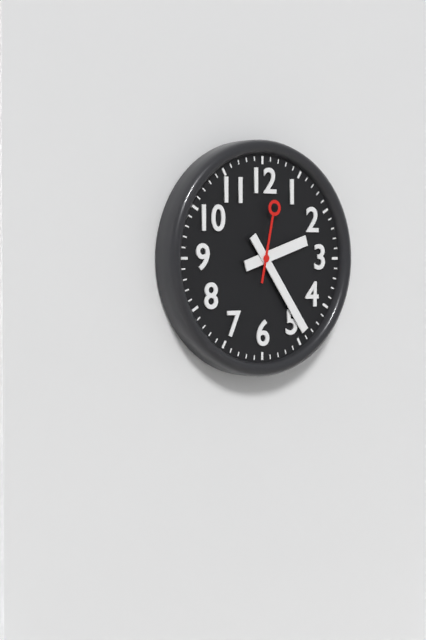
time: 2:24:02
